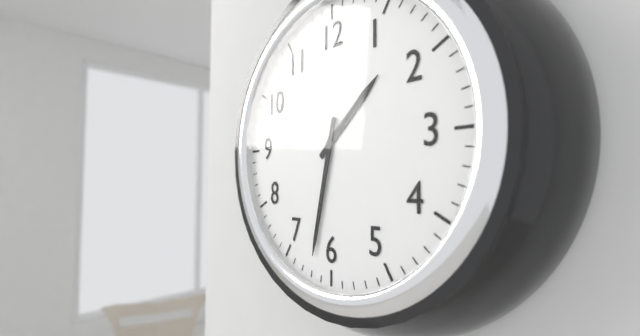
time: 1:32
